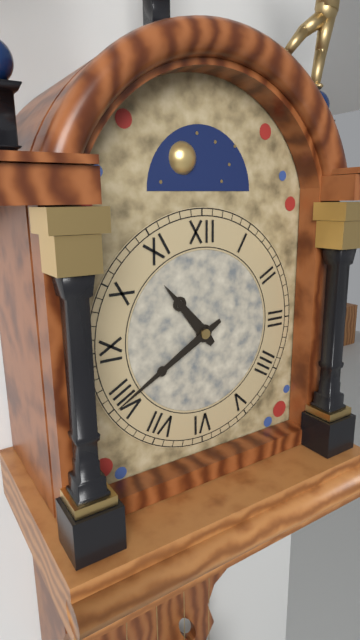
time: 10:40
